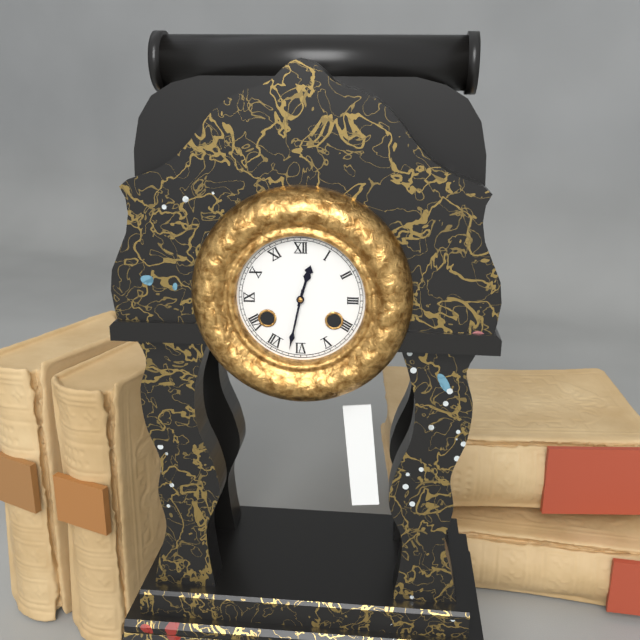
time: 12:32
